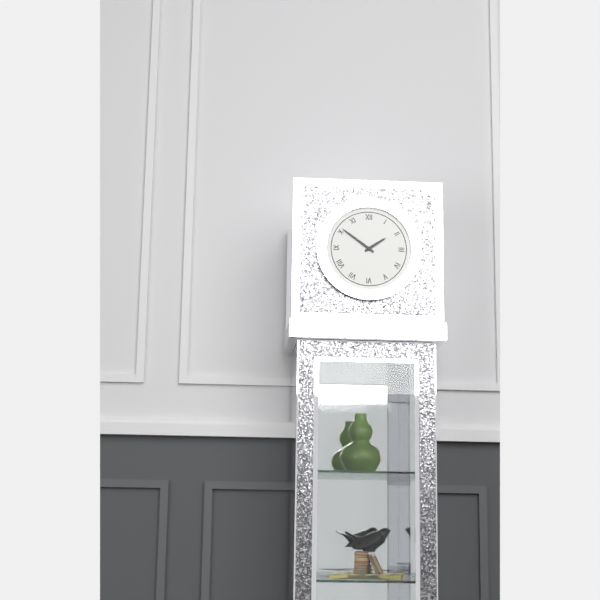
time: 1:51
